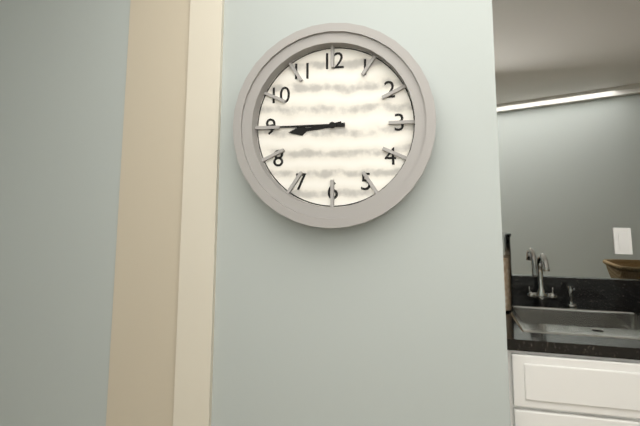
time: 8:45
